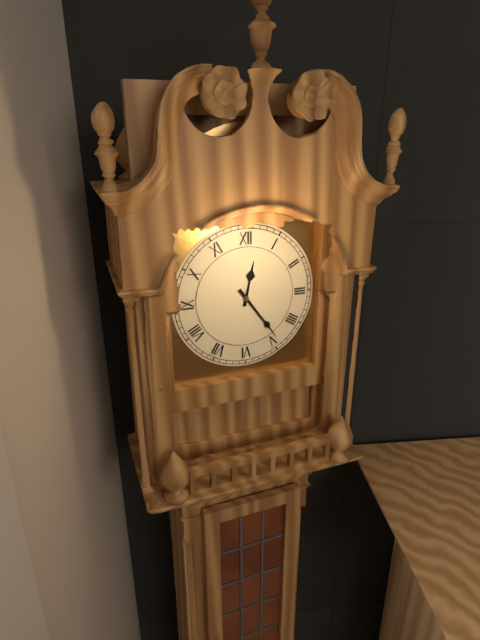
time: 12:24
